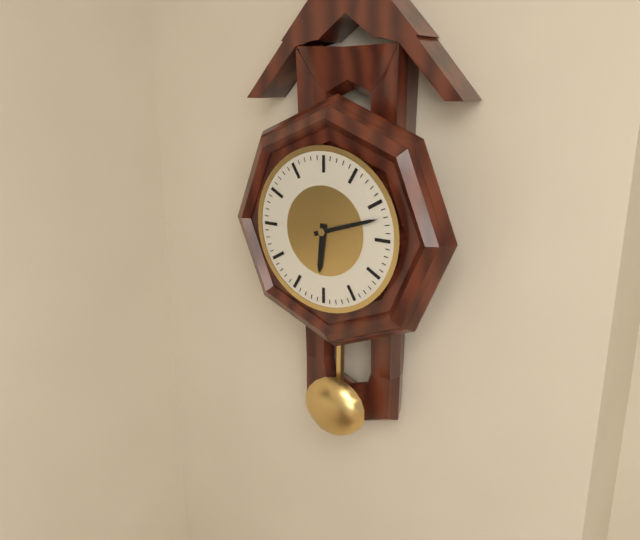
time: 6:12
